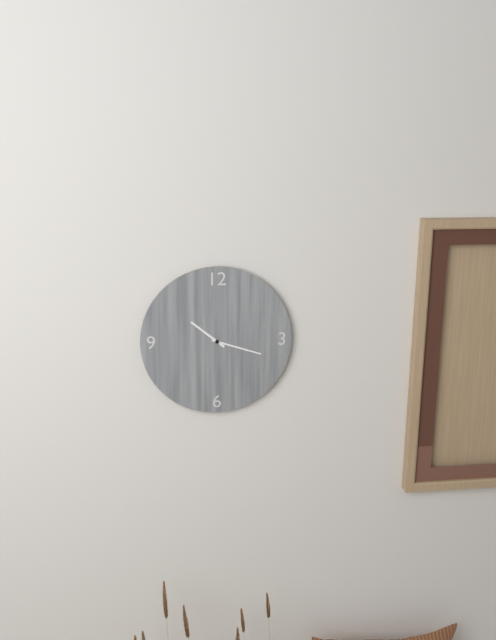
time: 10:18
